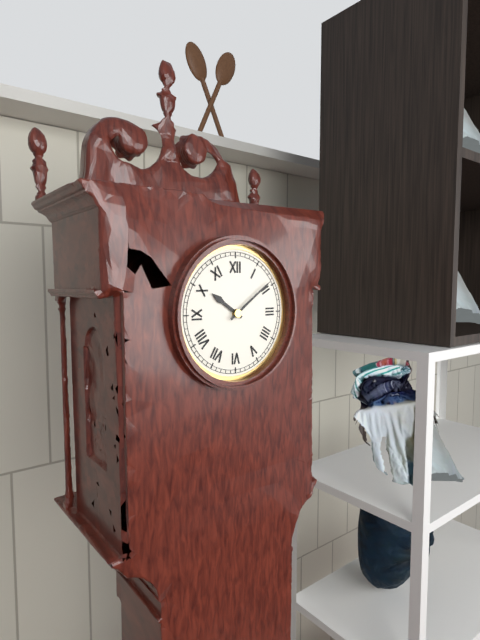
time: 10:09
